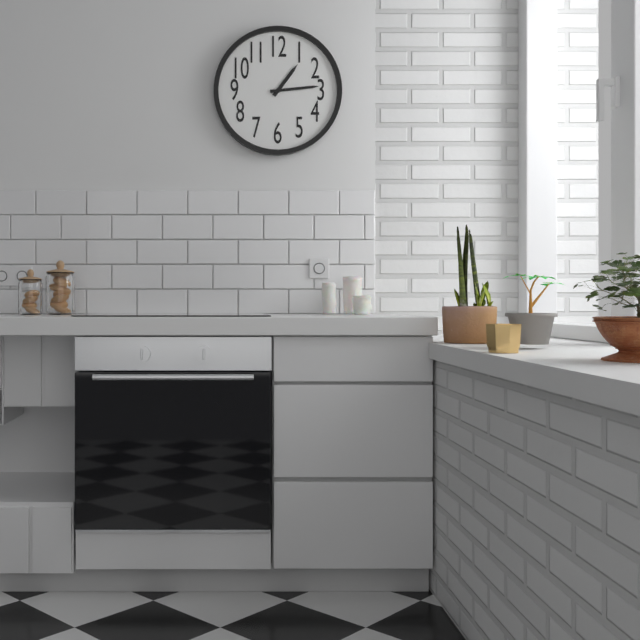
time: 1:14
